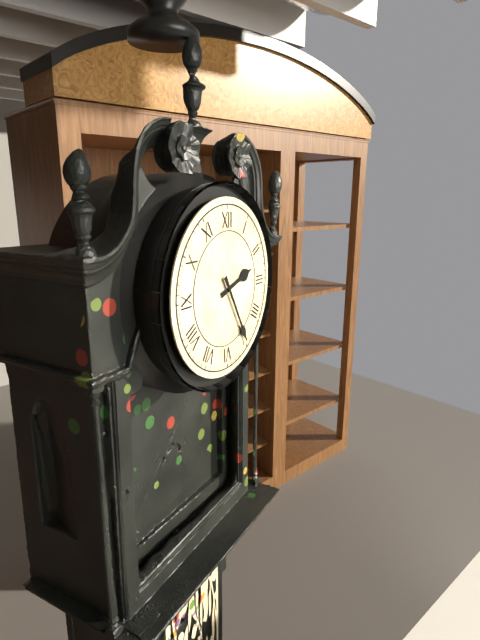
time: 2:25
